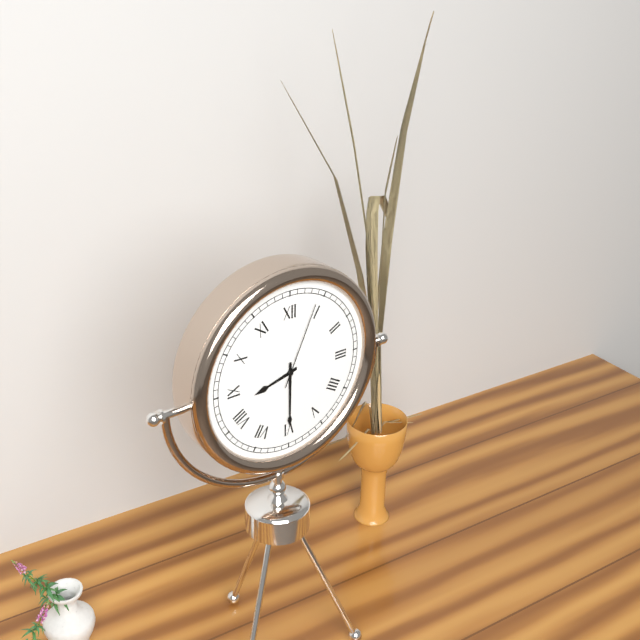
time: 8:30:04
